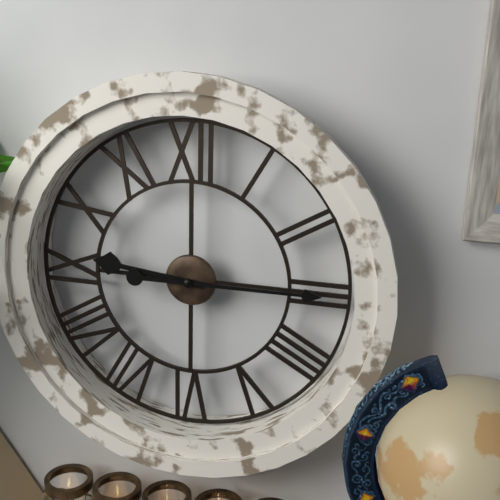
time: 9:15
